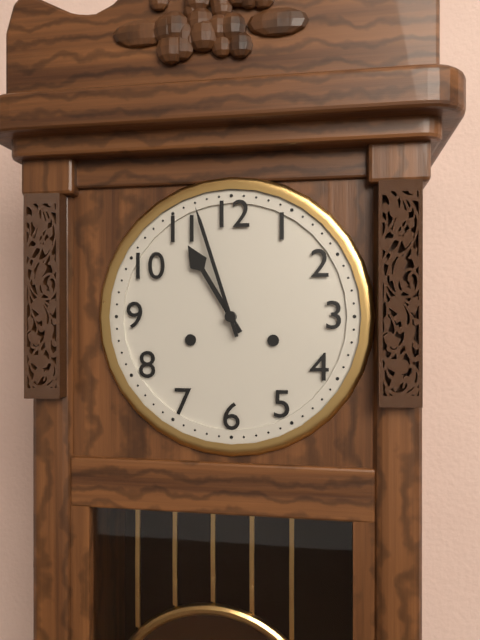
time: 10:57
